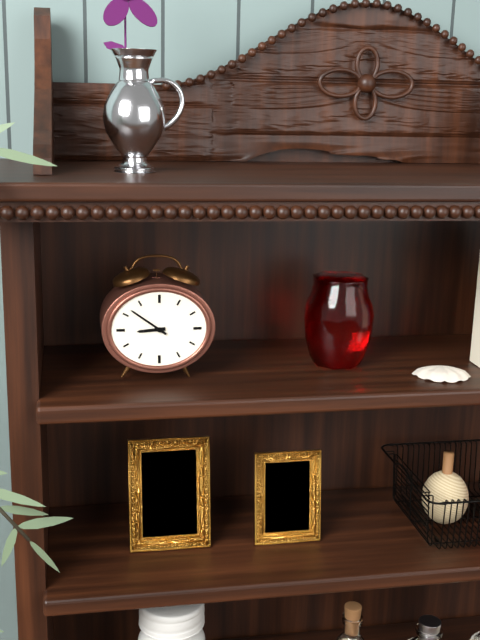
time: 8:51
